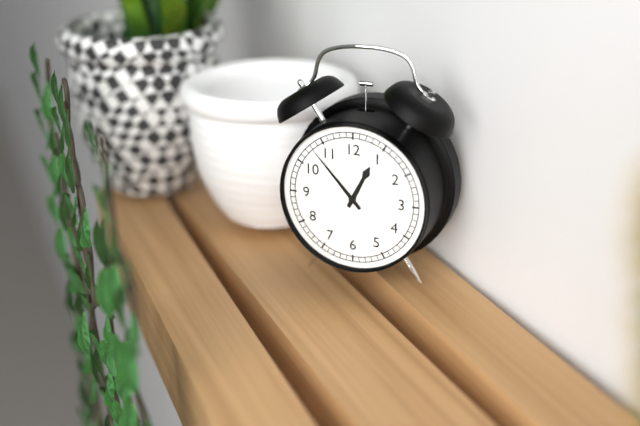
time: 12:53
